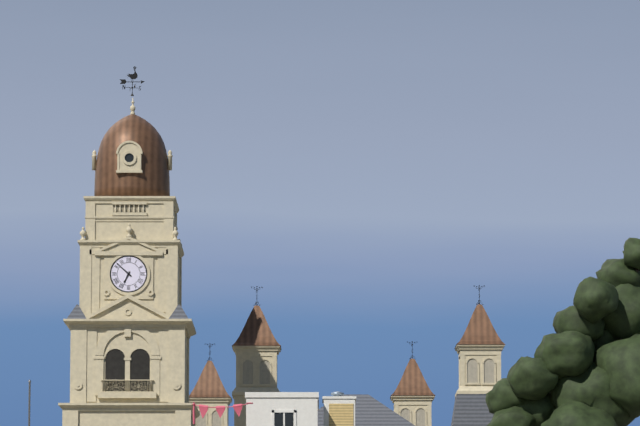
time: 6:52
